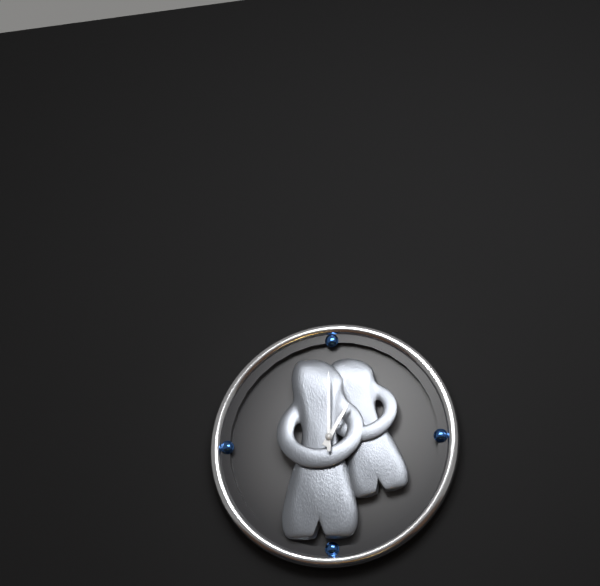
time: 1:00
